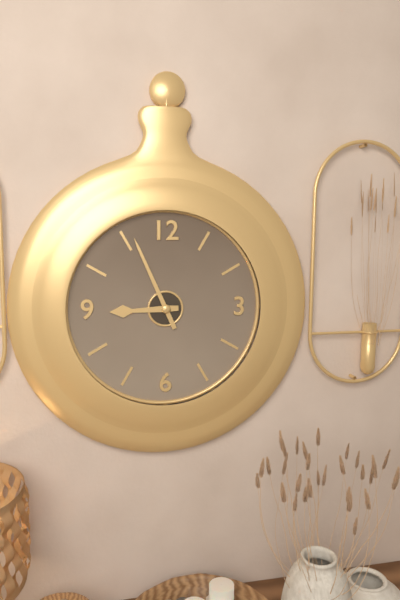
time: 8:56
